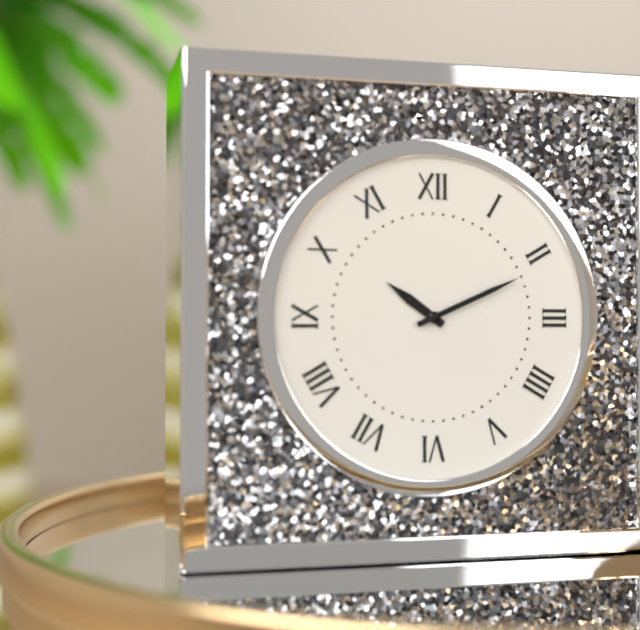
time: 10:11
